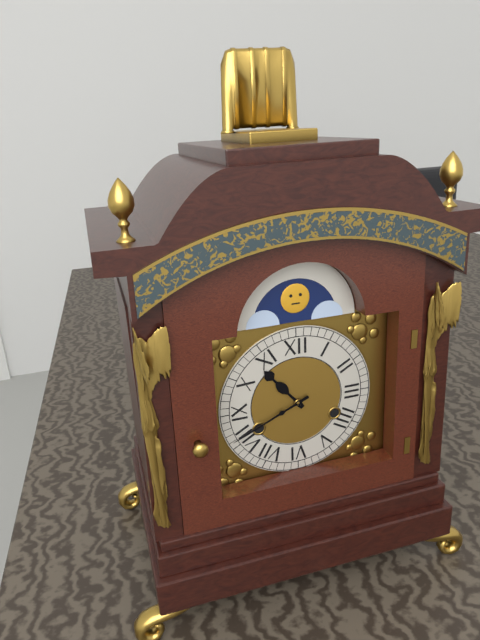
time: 10:41
